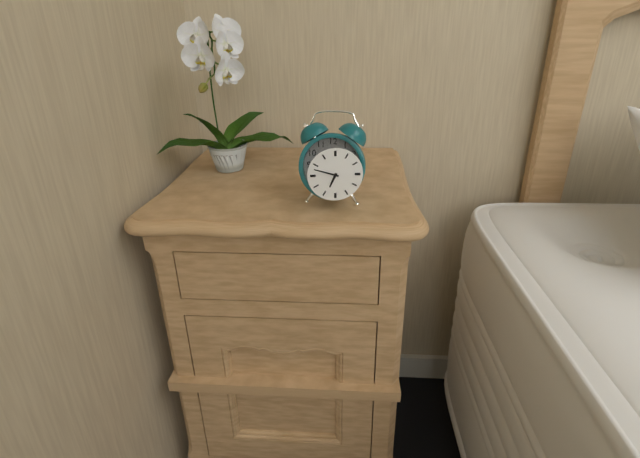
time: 6:48
